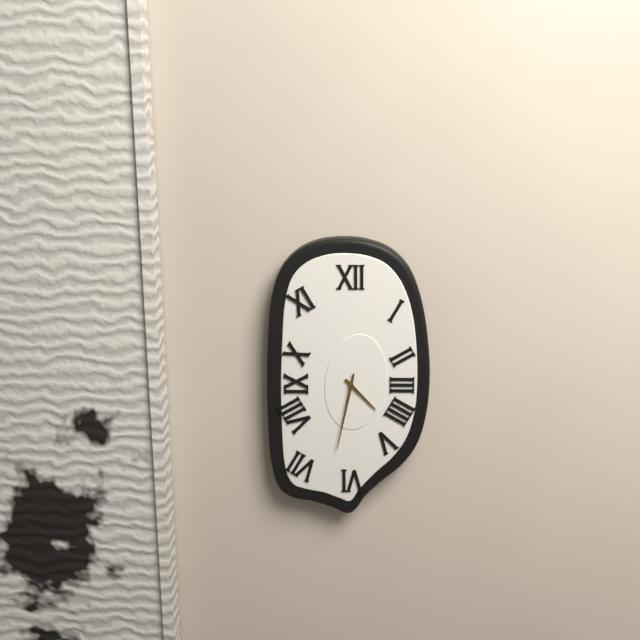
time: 4:32
